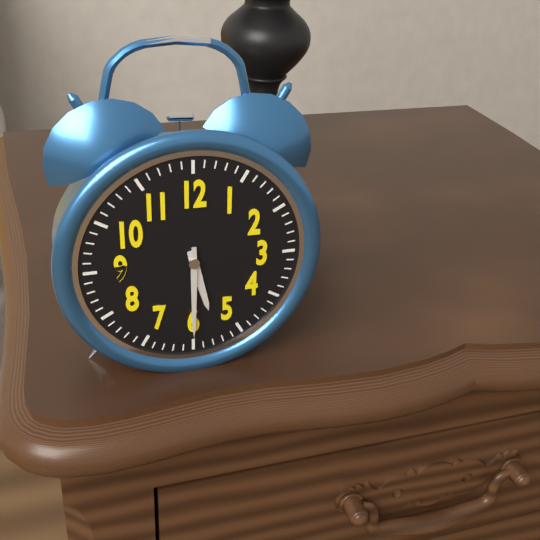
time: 5:30
